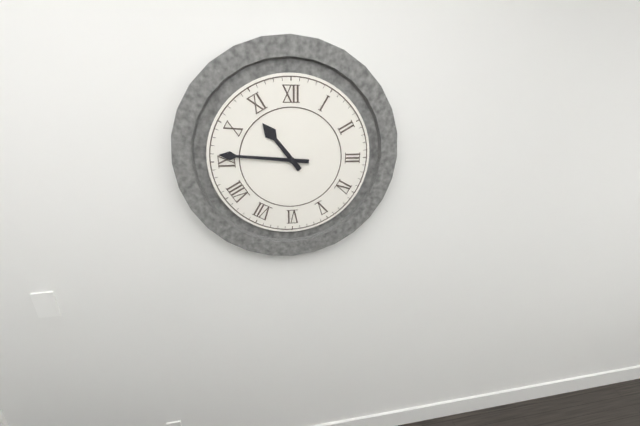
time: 10:46
